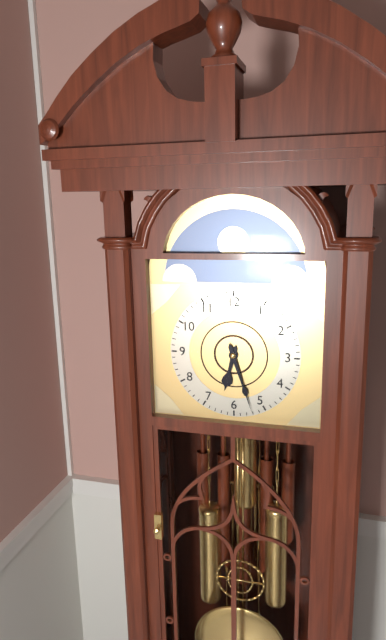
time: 6:27
